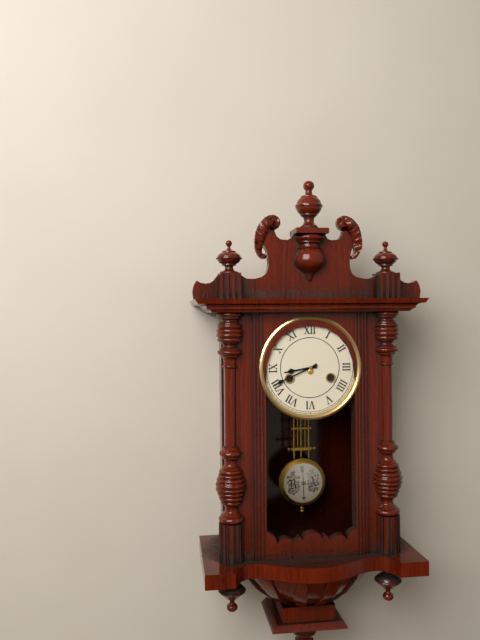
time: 8:41
